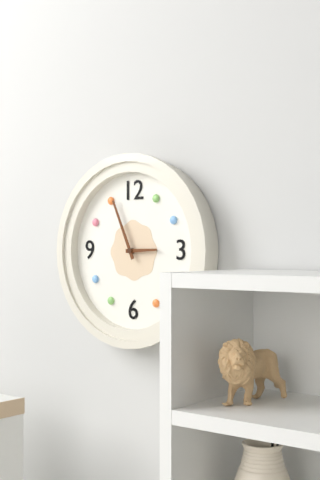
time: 2:56
